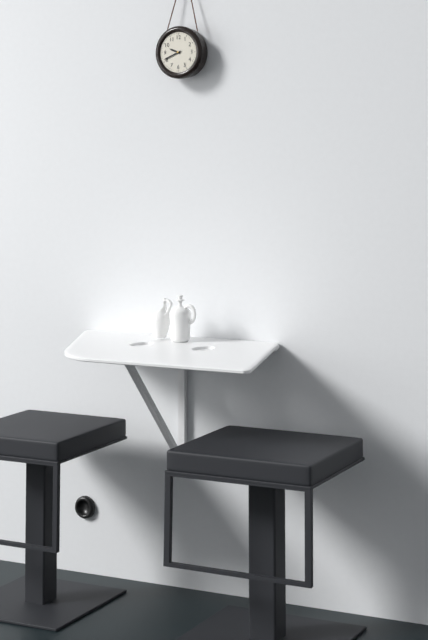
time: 9:41
